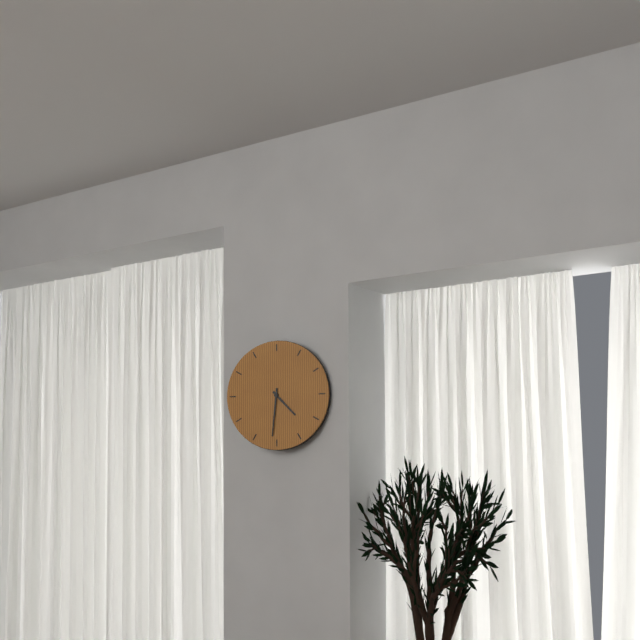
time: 4:31
